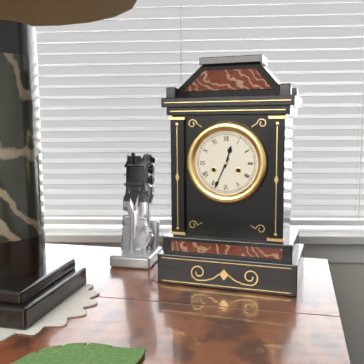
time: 12:34
